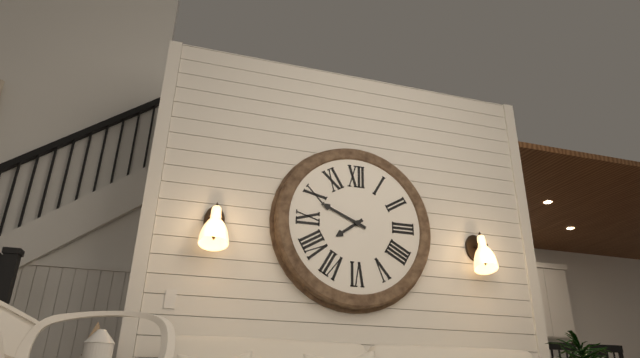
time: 7:49
